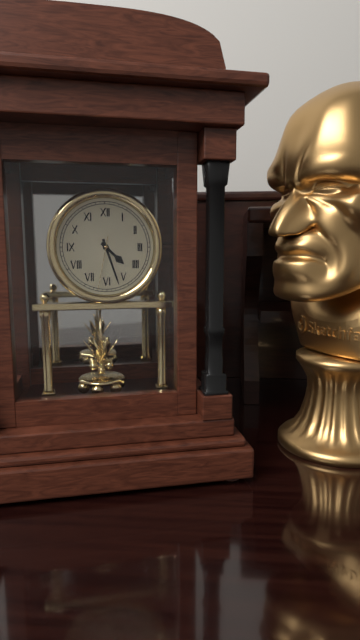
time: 4:27:32
